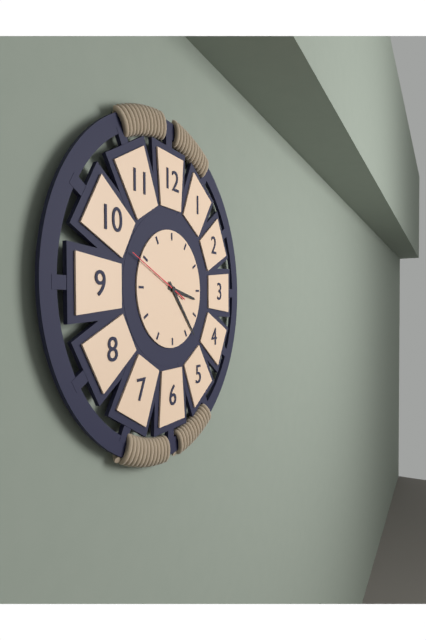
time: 3:23:49
